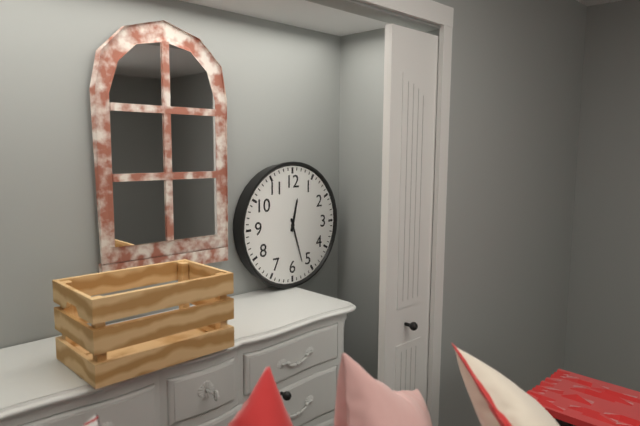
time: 12:27
